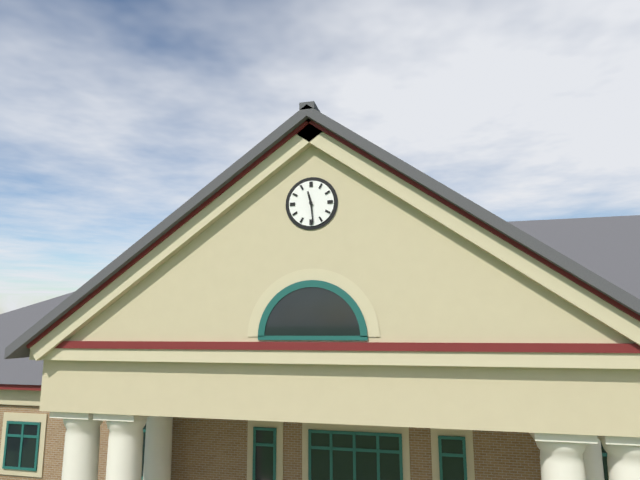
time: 11:29
